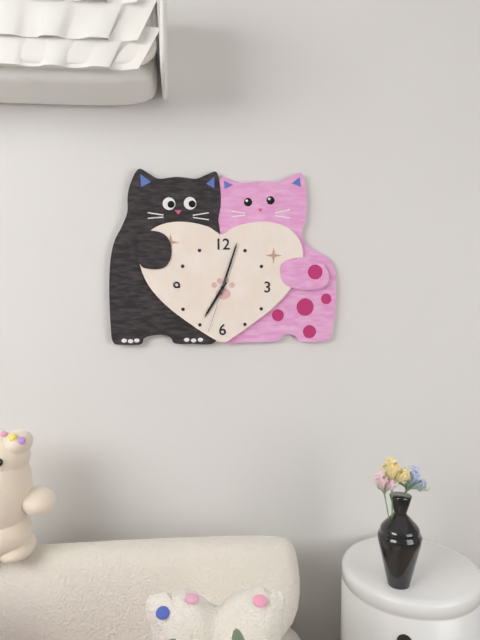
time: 7:03:33
